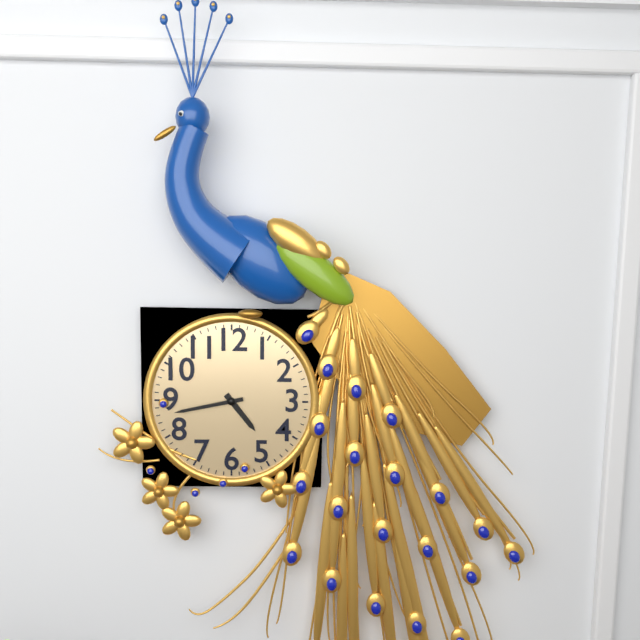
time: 4:43
